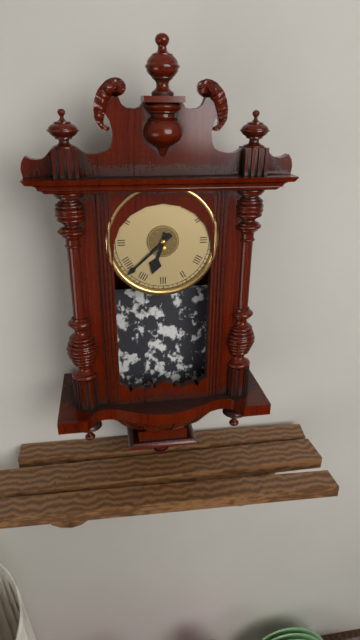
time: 6:38
